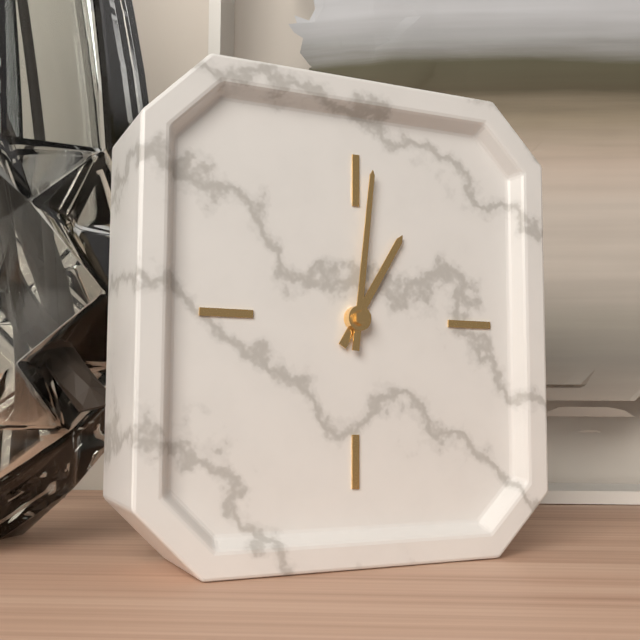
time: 1:01
